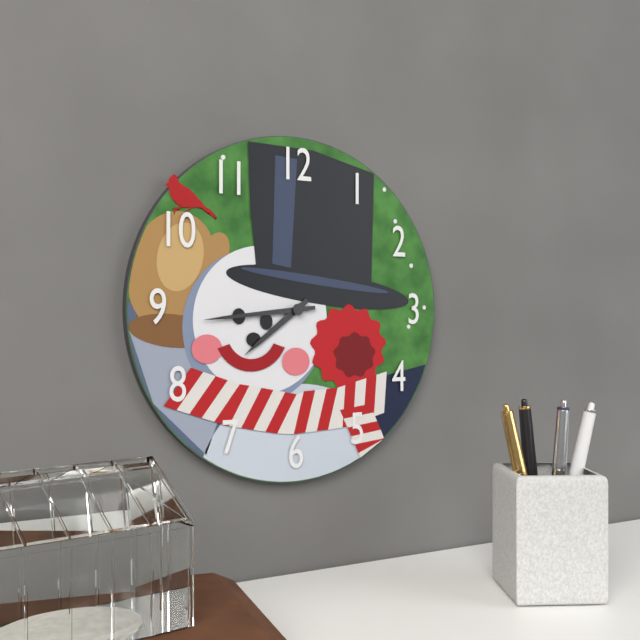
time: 7:44
